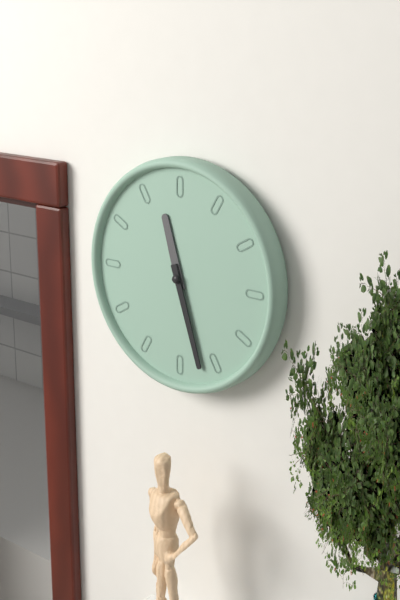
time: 11:27
